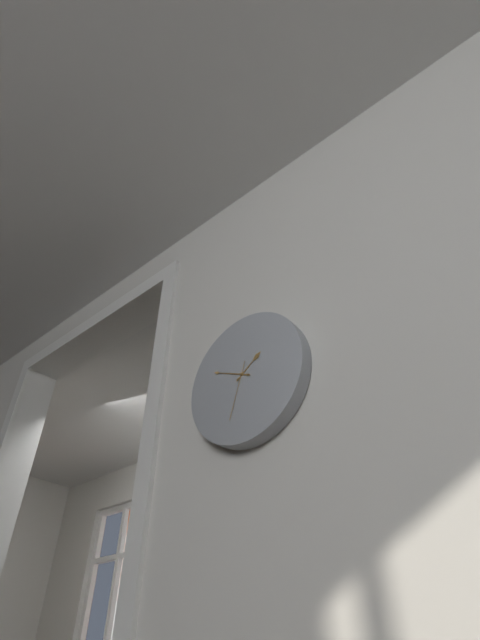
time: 1:49:33
